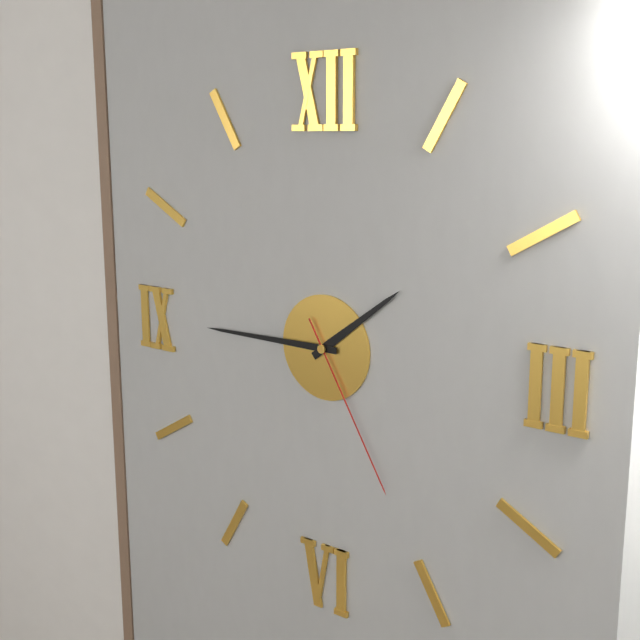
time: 1:45:25
